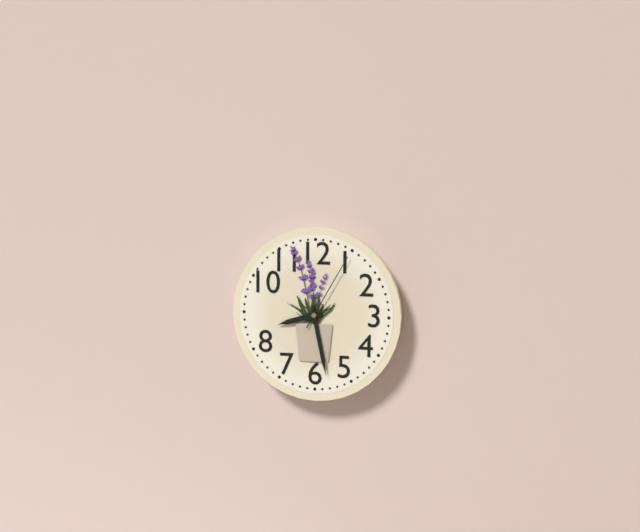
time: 8:28:05
